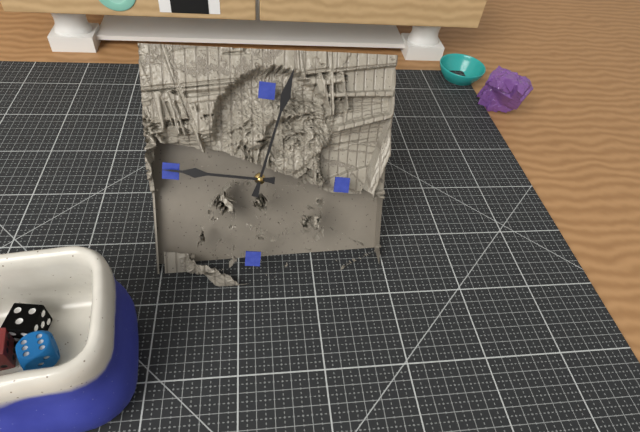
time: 9:02
